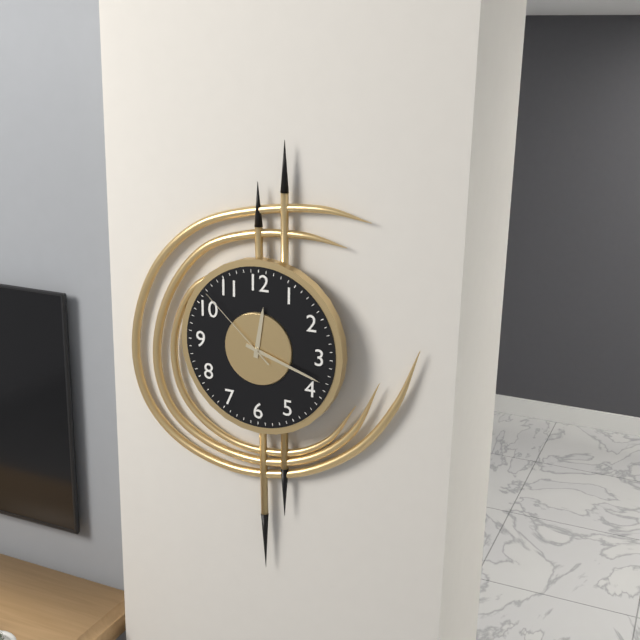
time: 12:18:52
